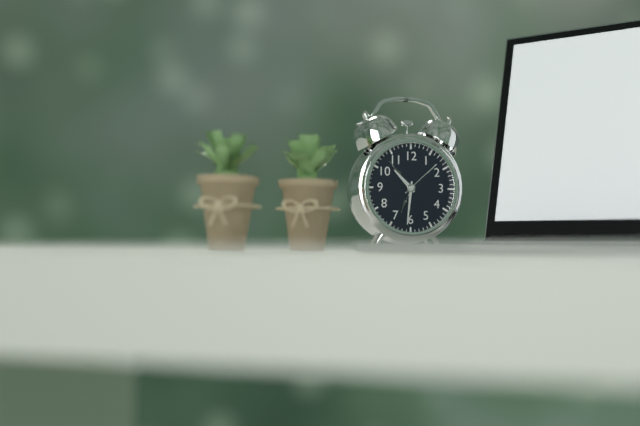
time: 10:31
